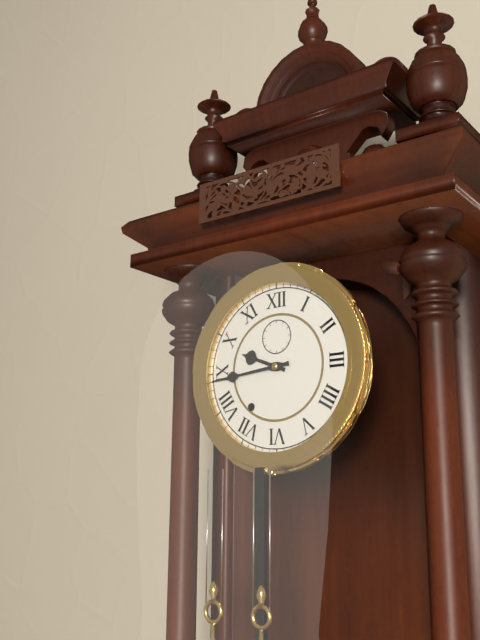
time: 9:44
